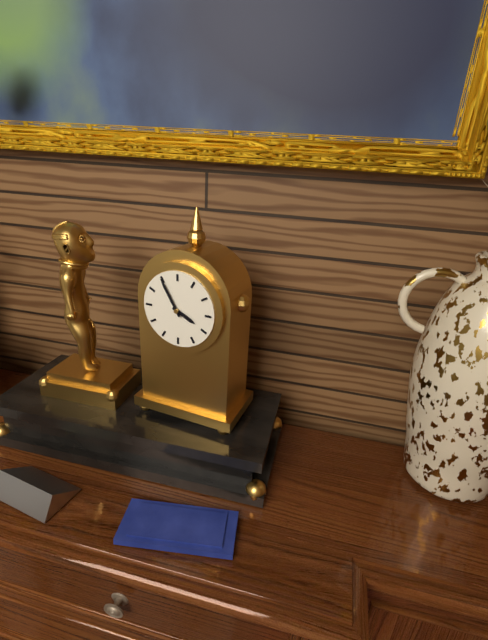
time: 3:55
